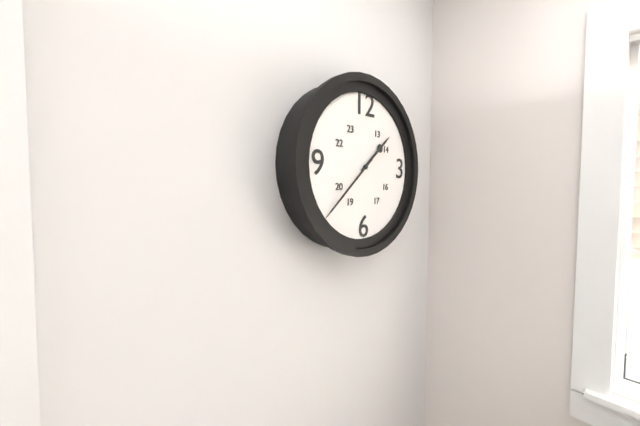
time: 1:38
